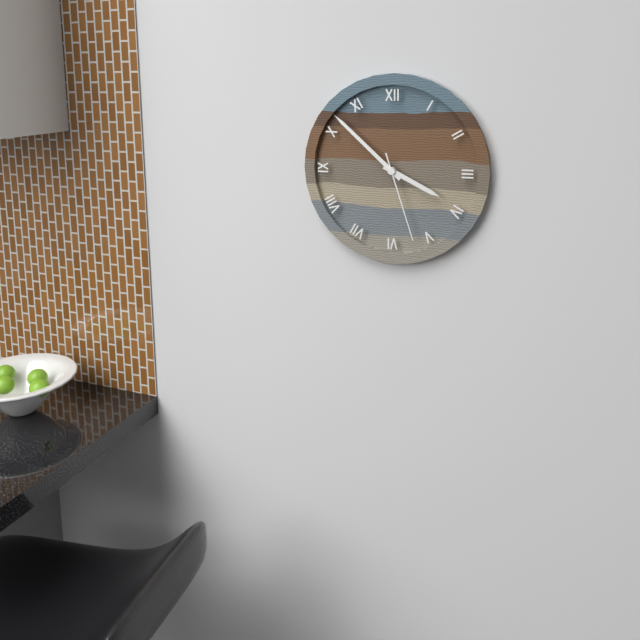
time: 3:52:27
